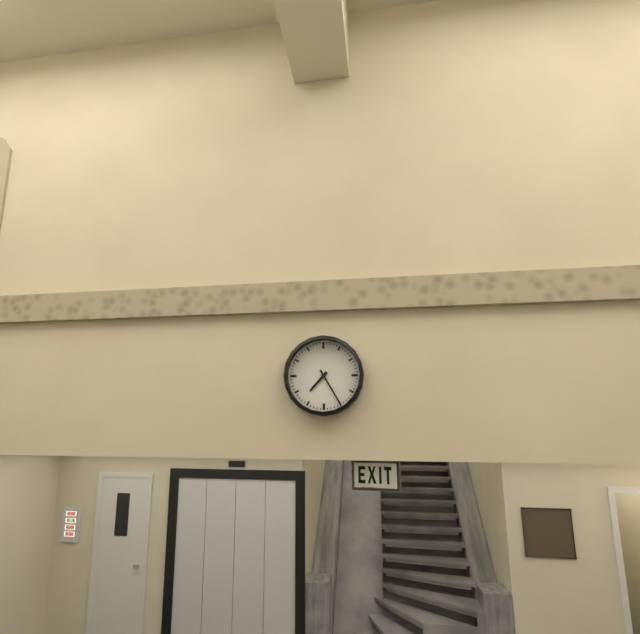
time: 7:25
